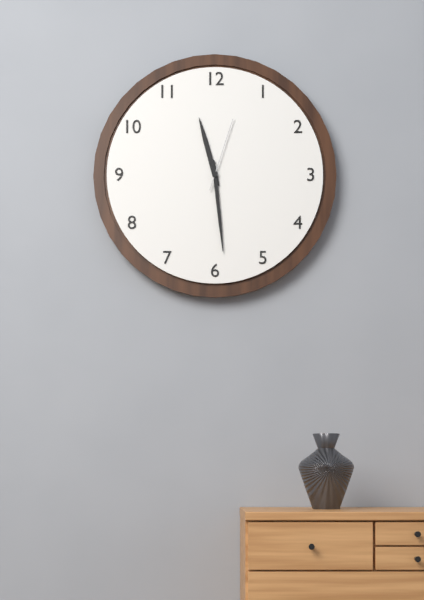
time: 11:29:03
